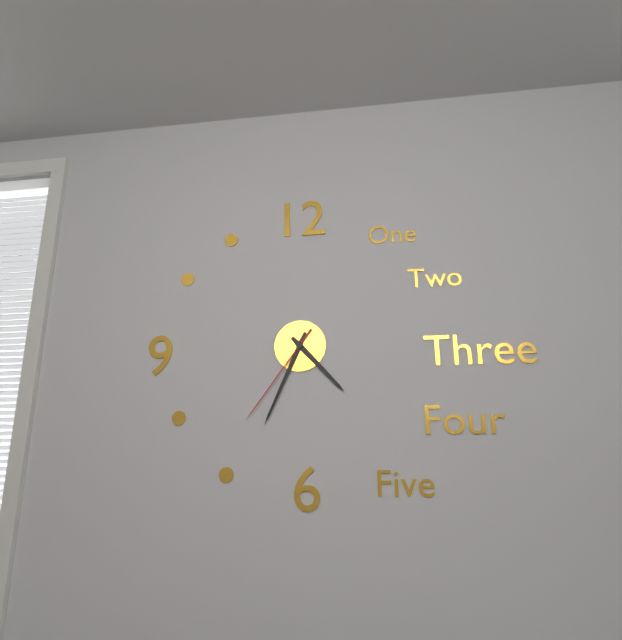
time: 4:34:36
